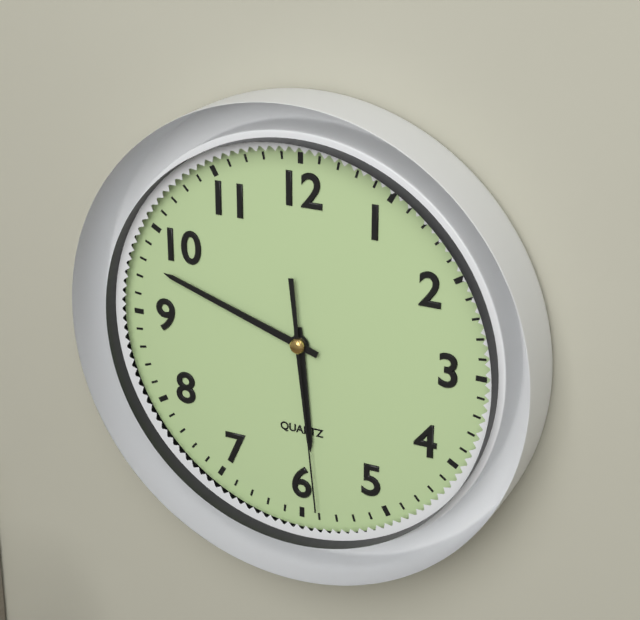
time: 5:48:29
